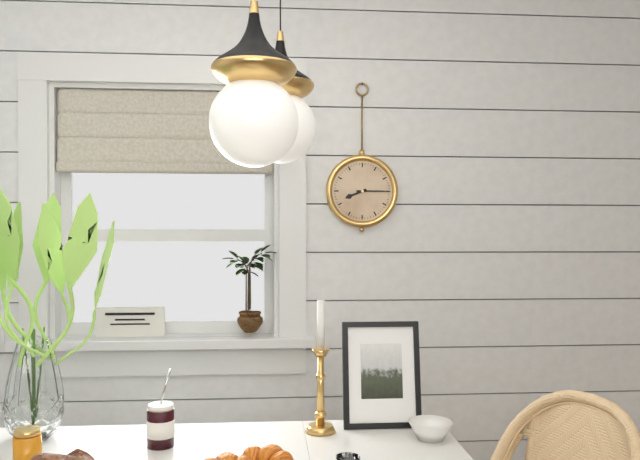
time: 8:15
